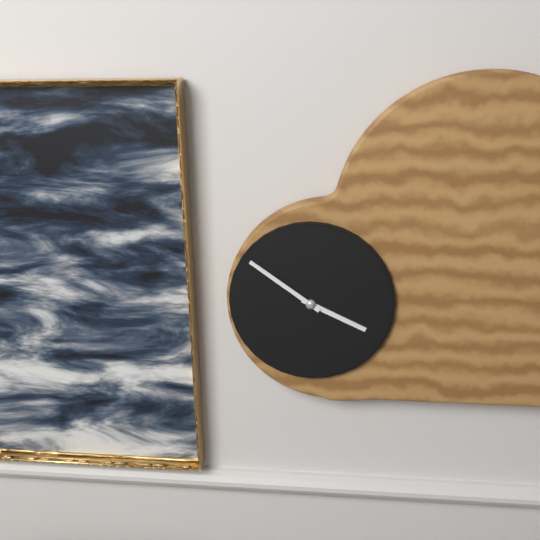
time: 3:51
